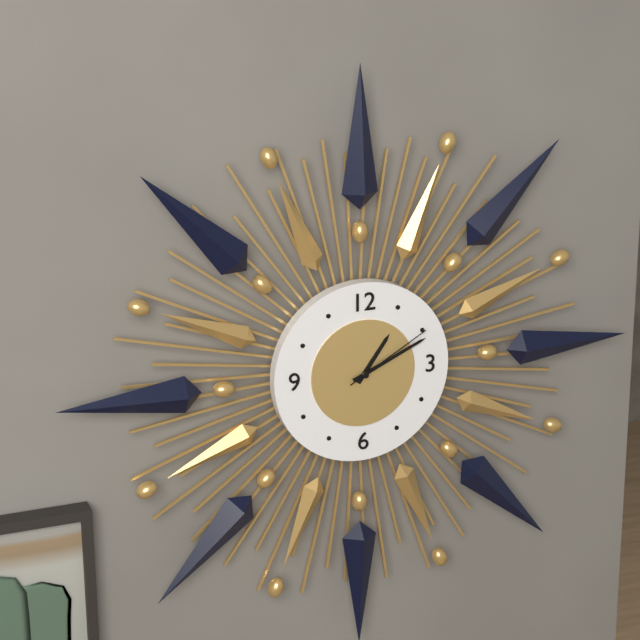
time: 1:11:10
